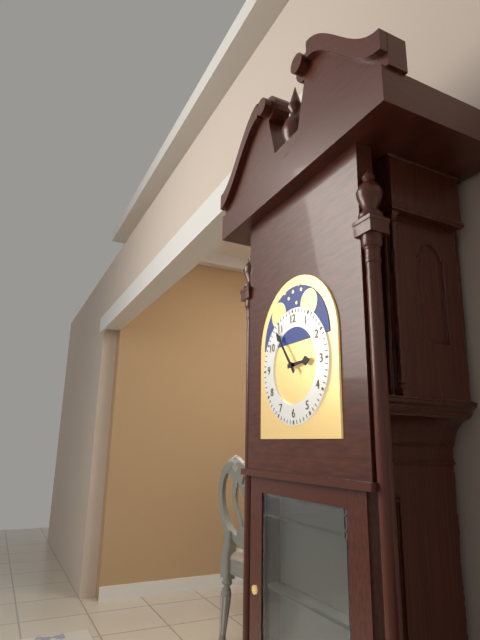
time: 2:54
